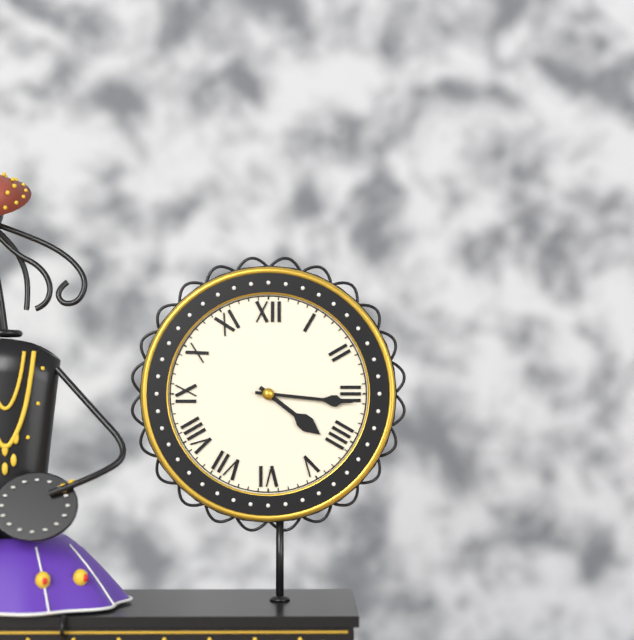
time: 4:16
